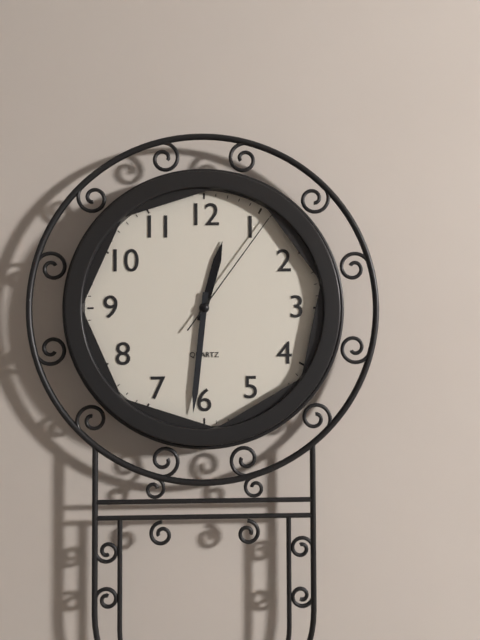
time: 12:31:06
